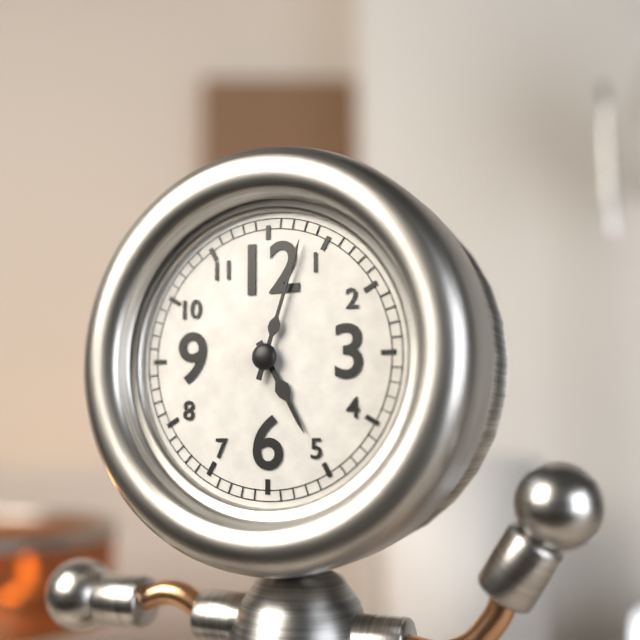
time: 5:03
